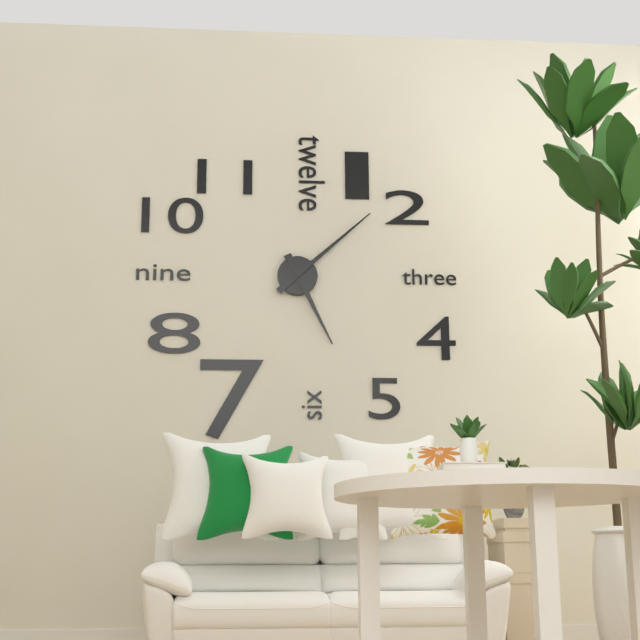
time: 5:08
